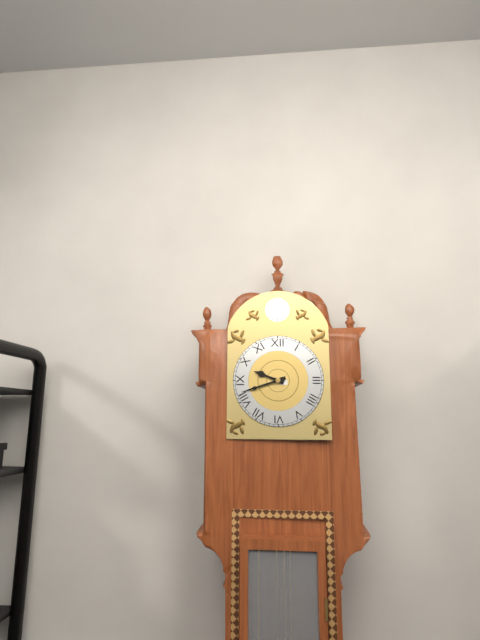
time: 9:42
